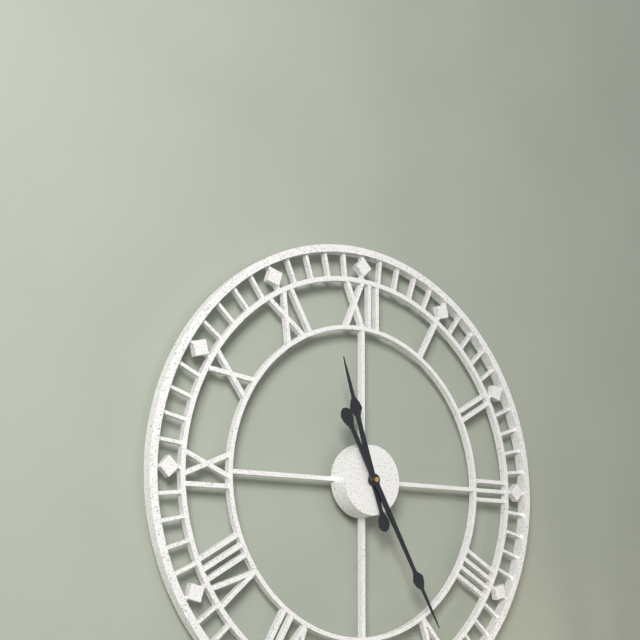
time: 11:25
